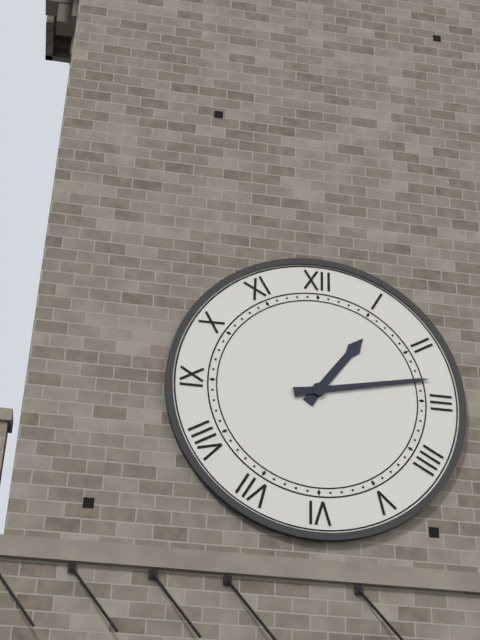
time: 1:13
